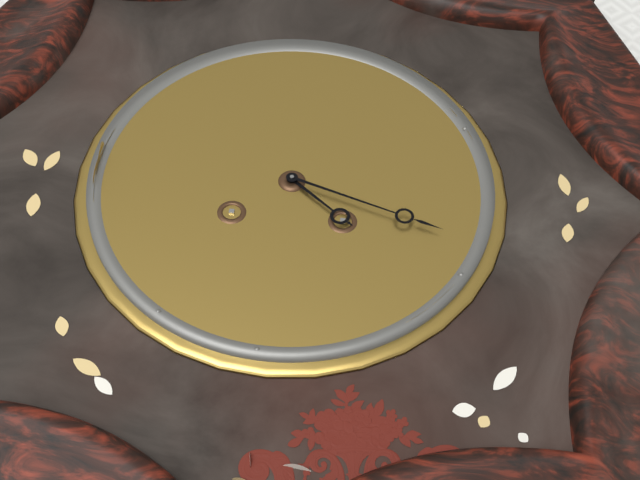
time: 4:18
